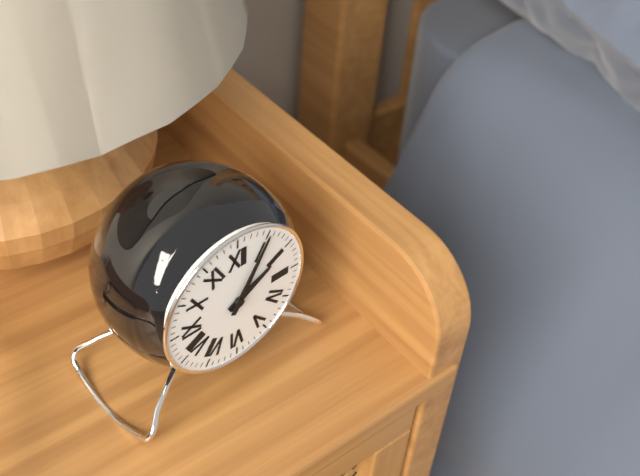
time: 2:05
